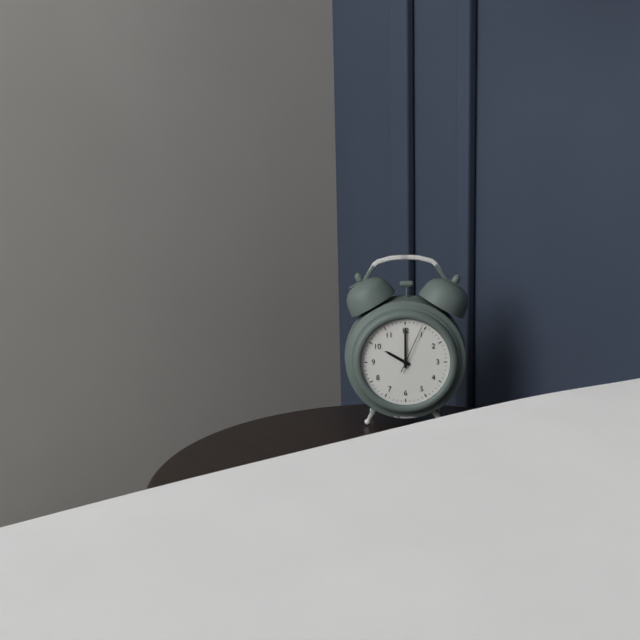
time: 10:00
